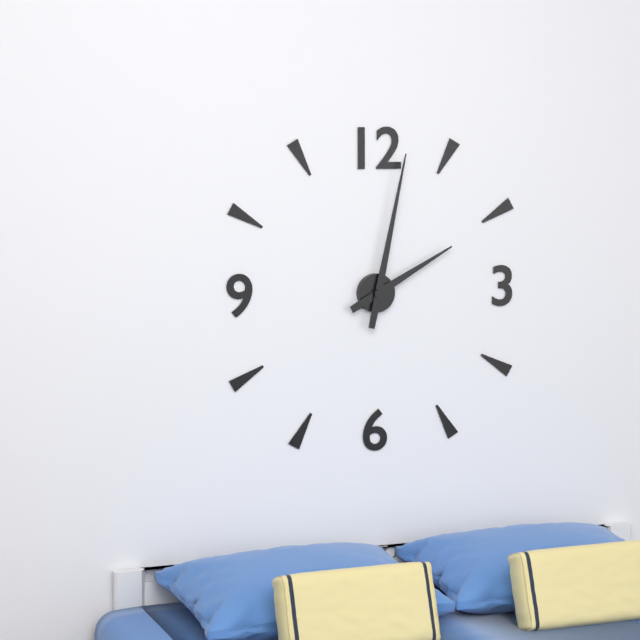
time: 2:02
